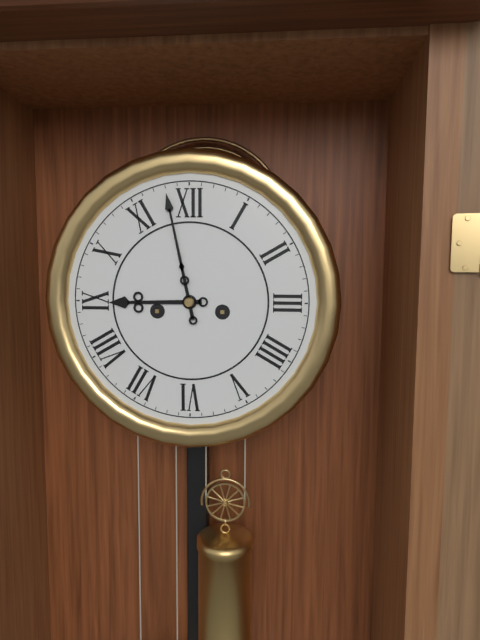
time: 8:58
